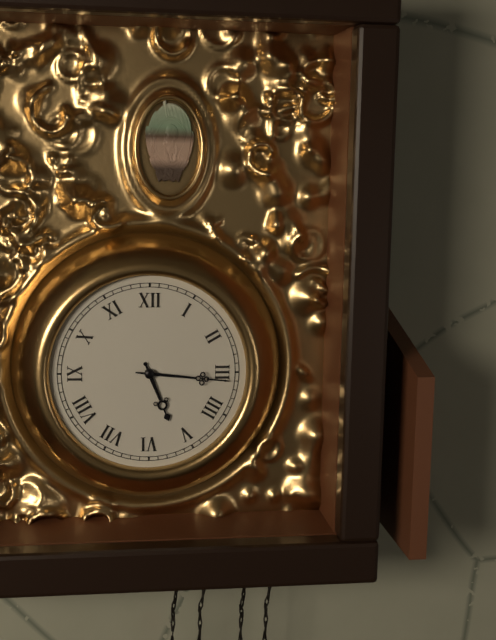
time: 5:16
